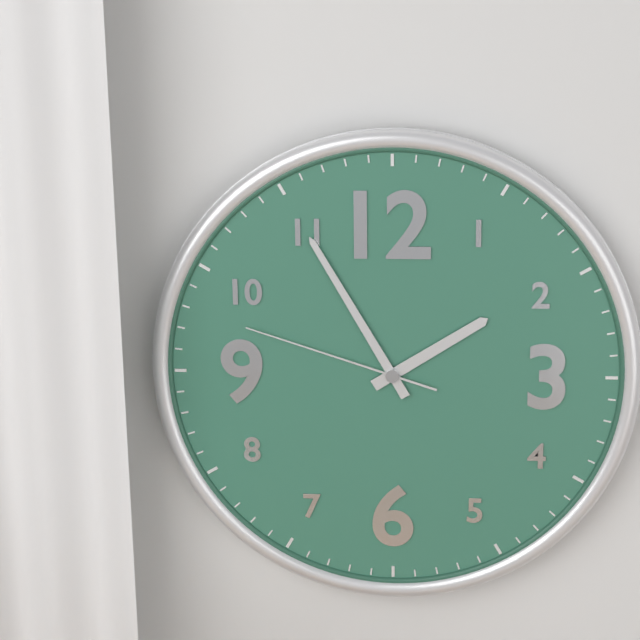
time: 1:55:48
